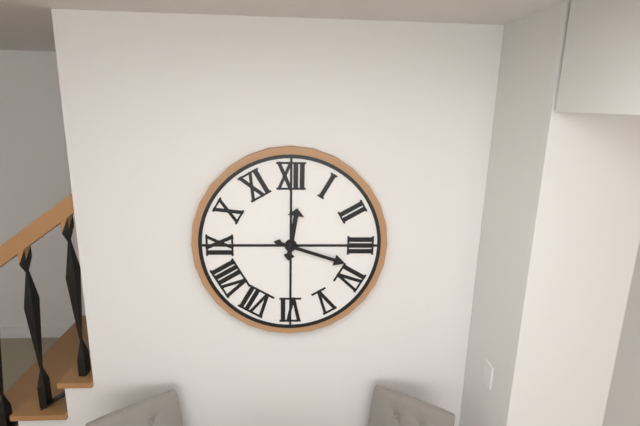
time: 12:18
